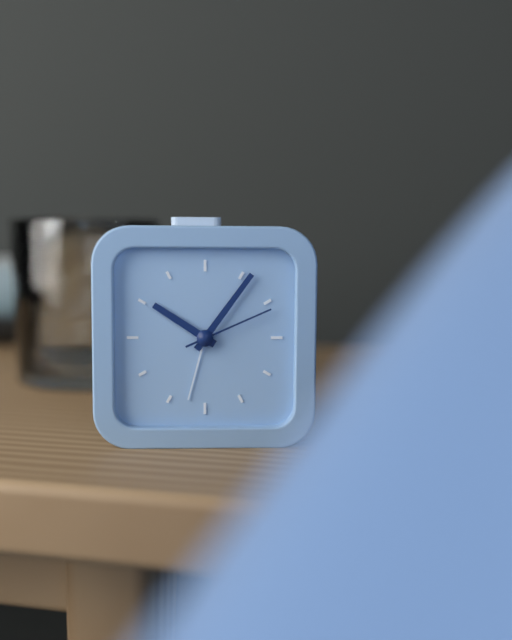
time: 10:06:11
